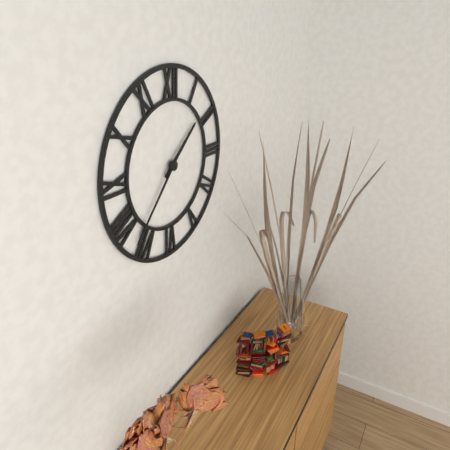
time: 1:37
